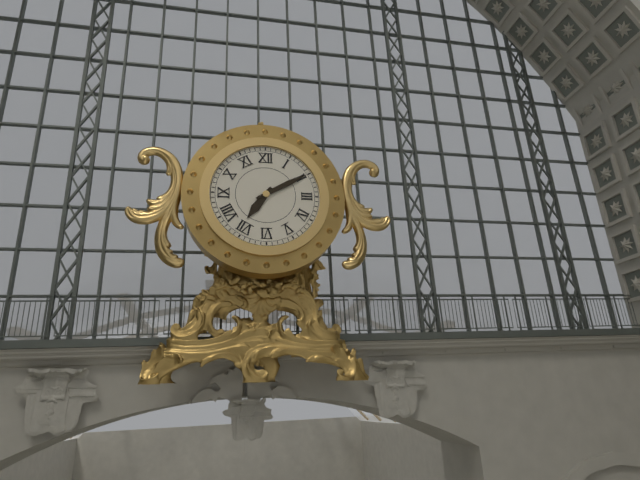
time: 7:10
